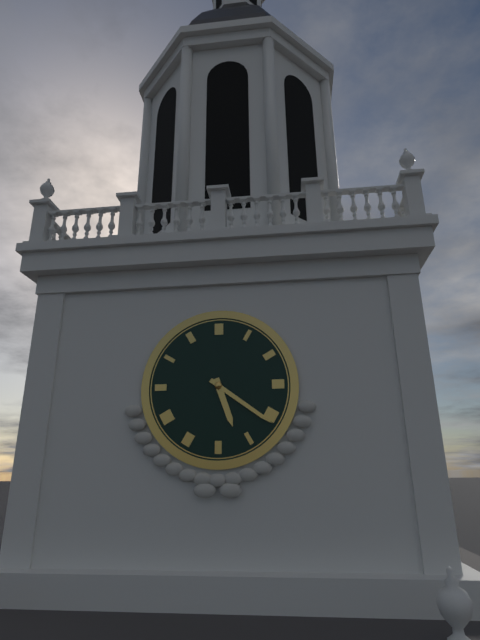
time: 5:21
